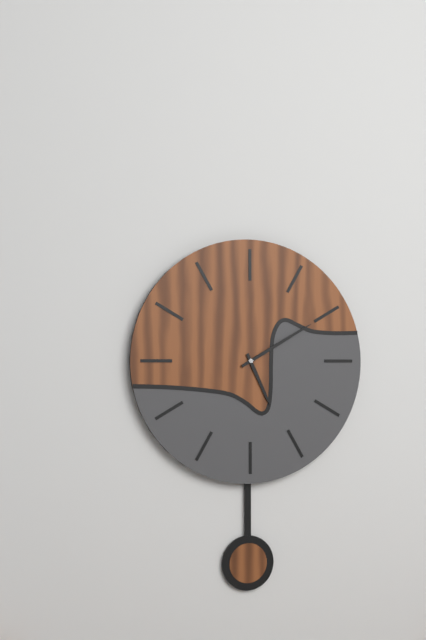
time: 5:10
